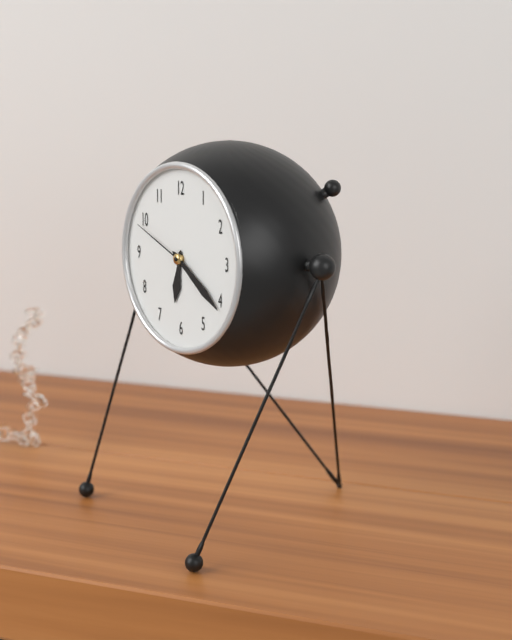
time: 6:21:49
